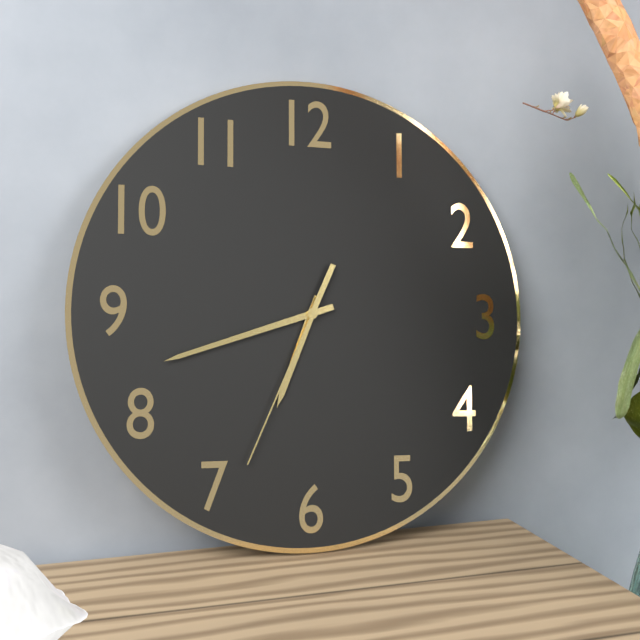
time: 6:42:34
